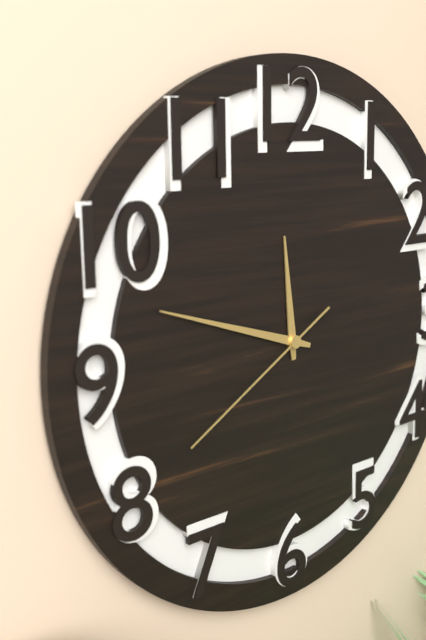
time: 11:48:40
